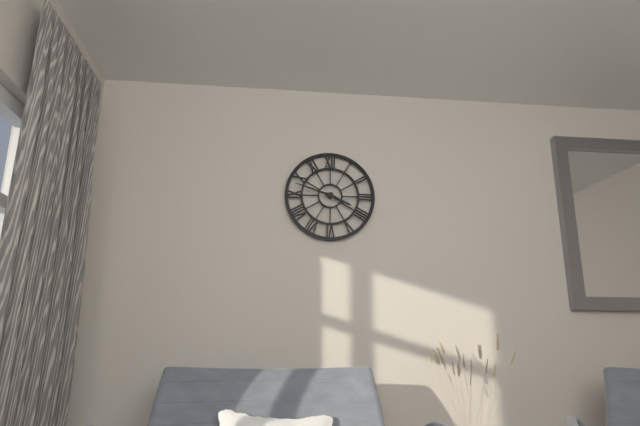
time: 3:48
